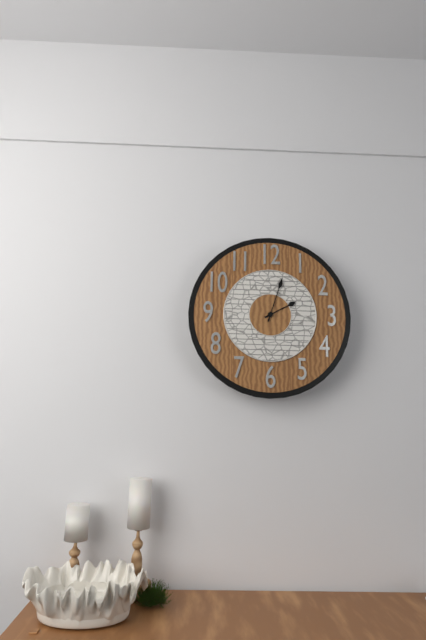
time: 2:03
